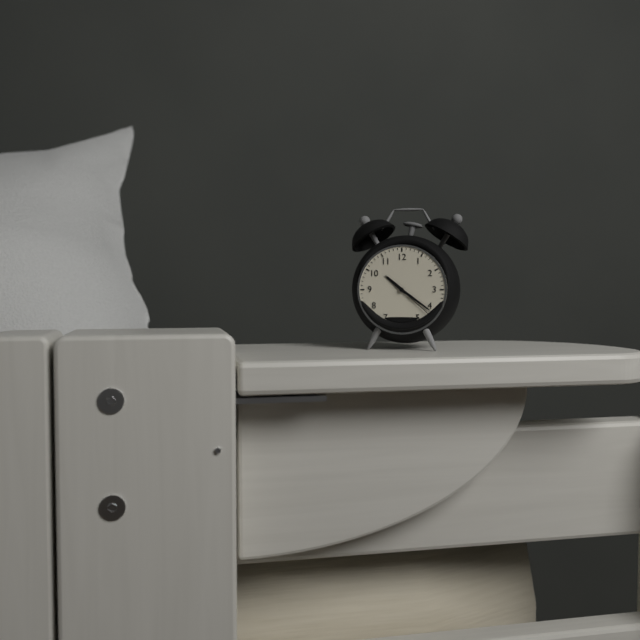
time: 10:21
